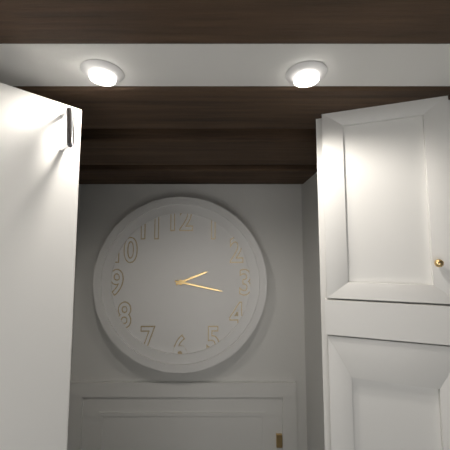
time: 2:17
